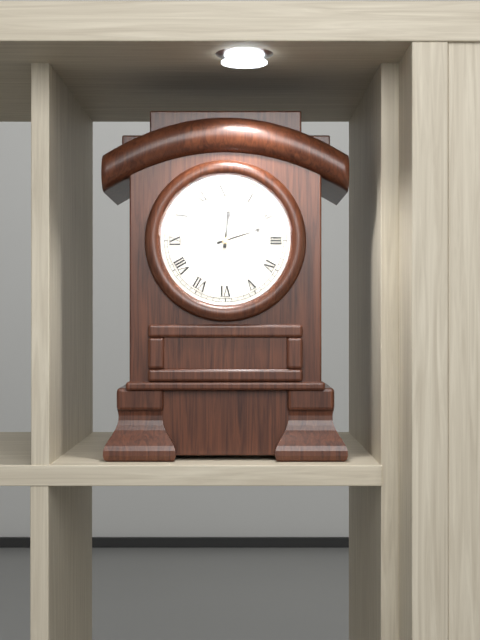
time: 12:12
